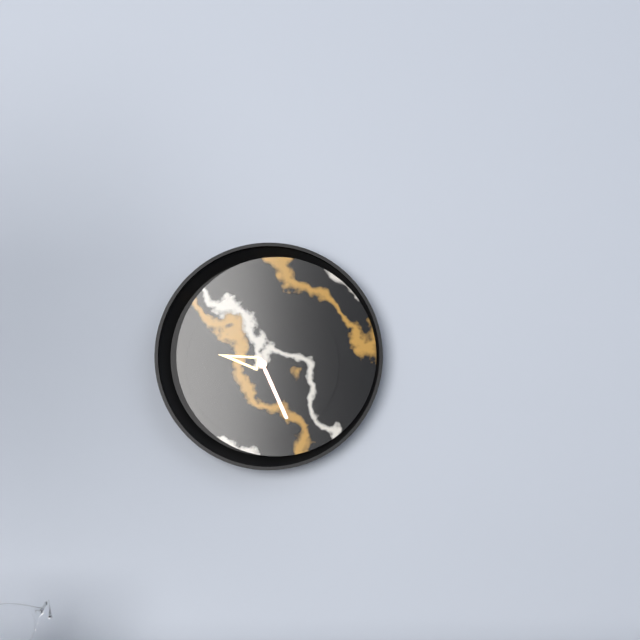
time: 9:26
